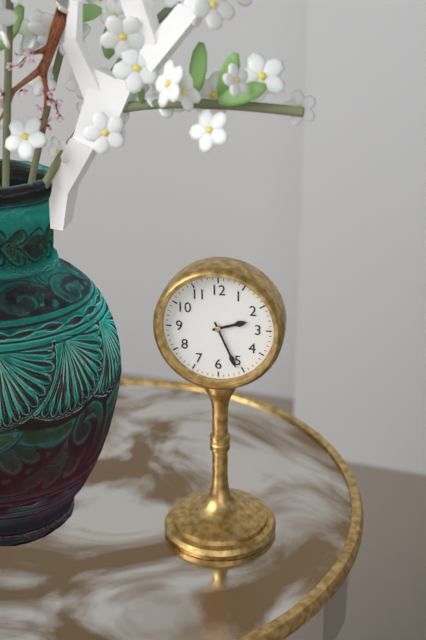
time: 2:26
